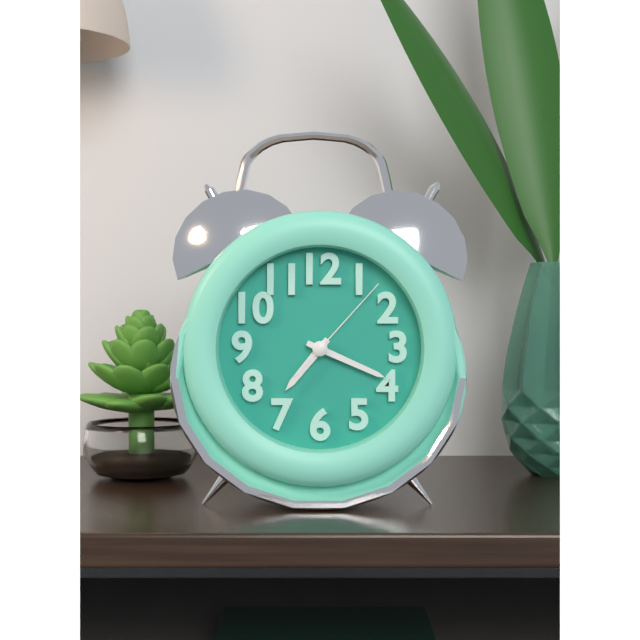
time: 7:19:07
